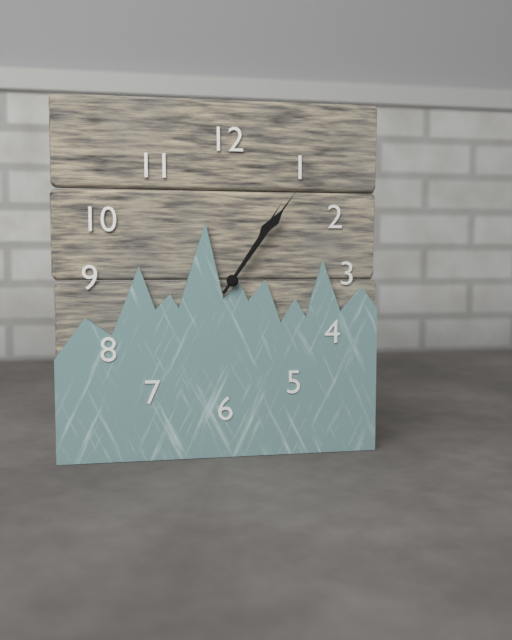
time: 1:06
